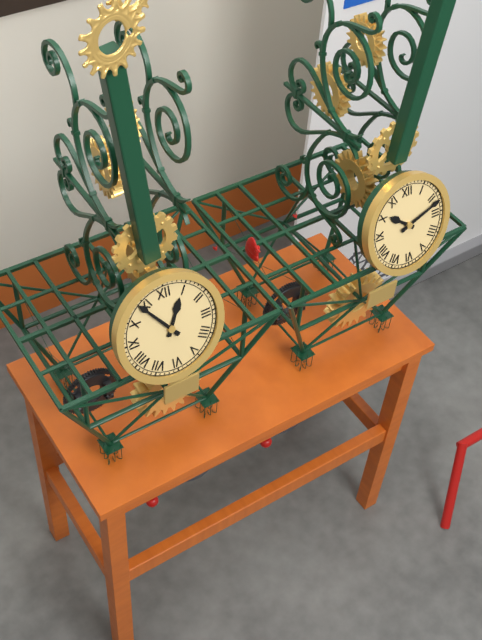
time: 12:54
